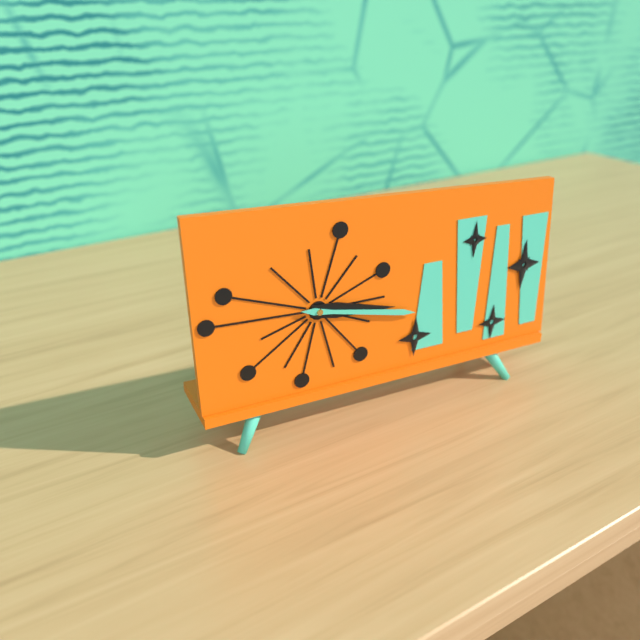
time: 3:17
